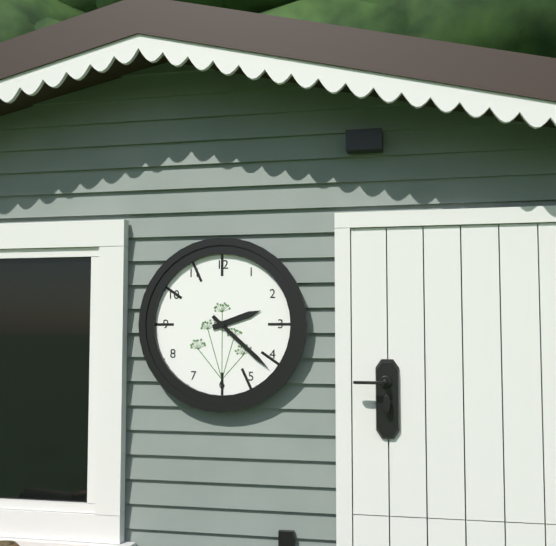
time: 2:22
